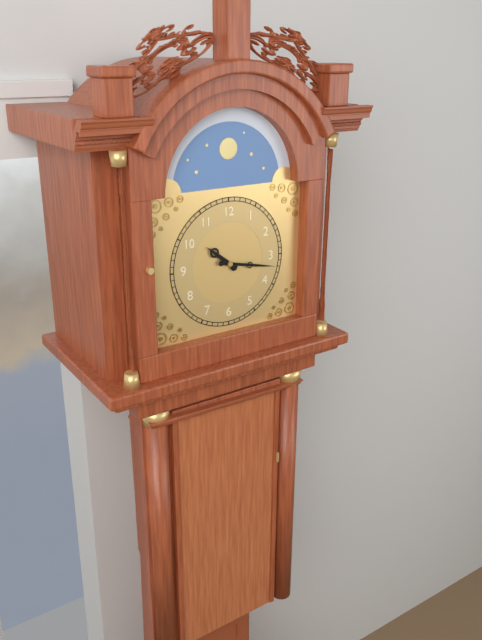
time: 10:17
